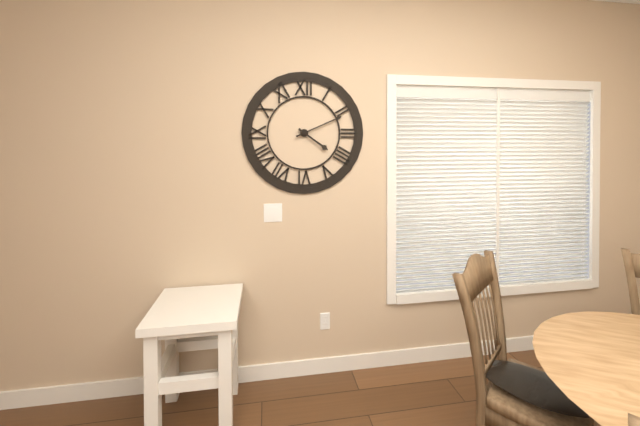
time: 4:11
